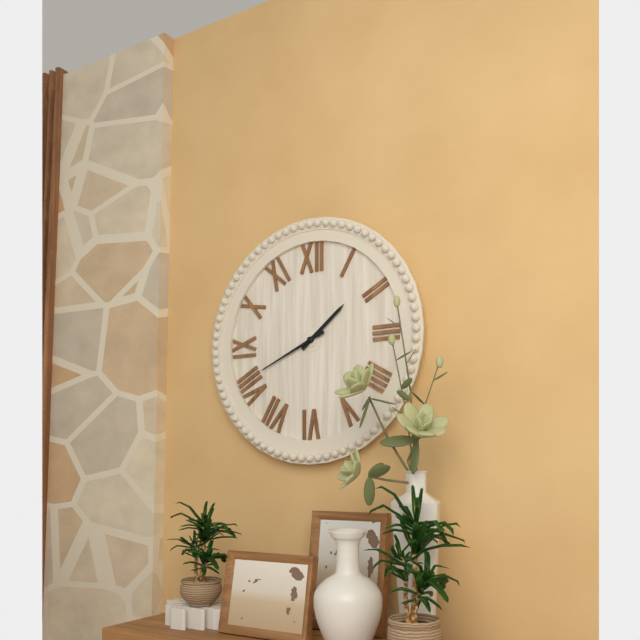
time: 1:41
